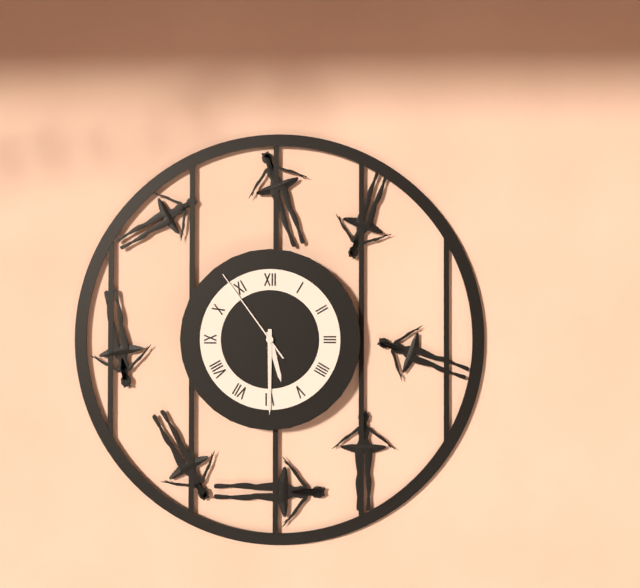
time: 5:30:54
